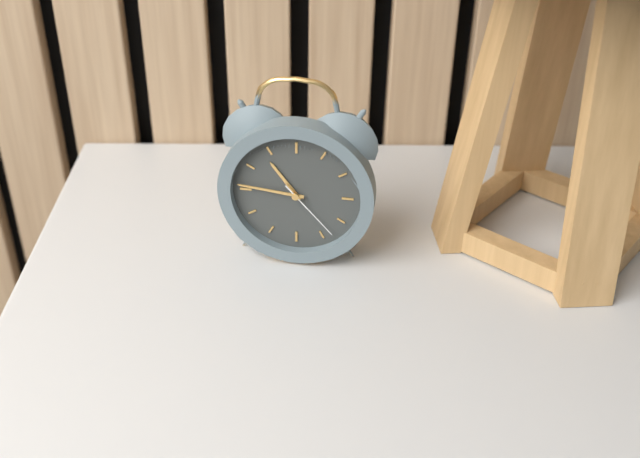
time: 10:46:23
